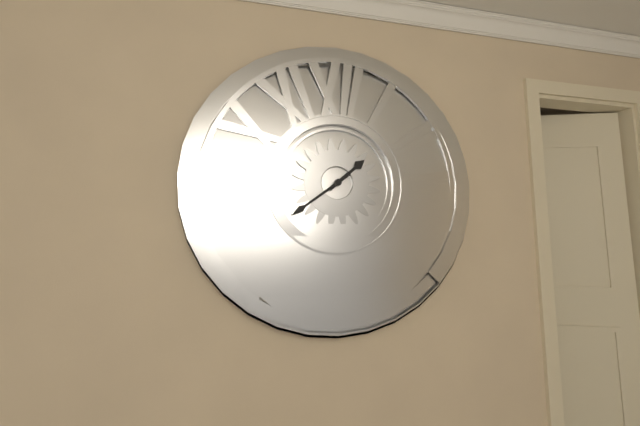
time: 1:39
